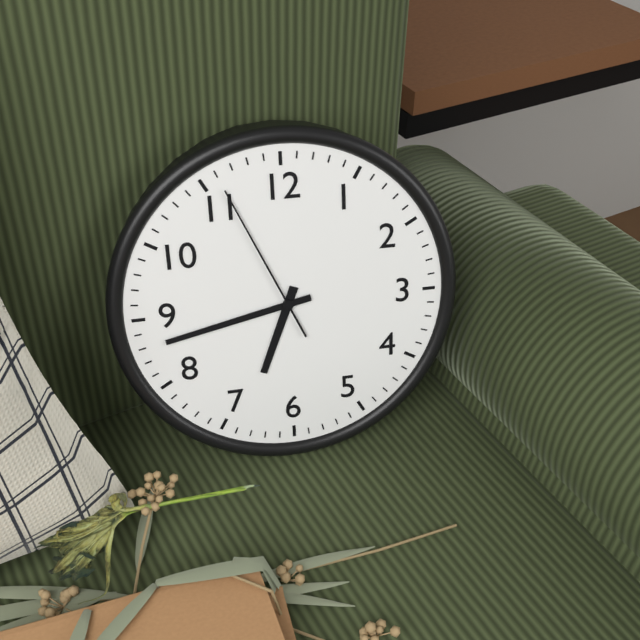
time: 6:43:56
